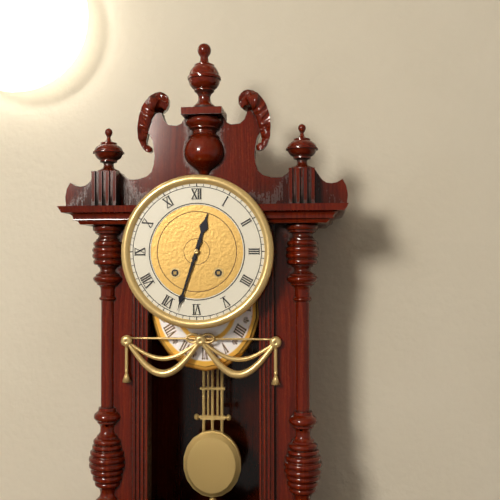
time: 12:33
